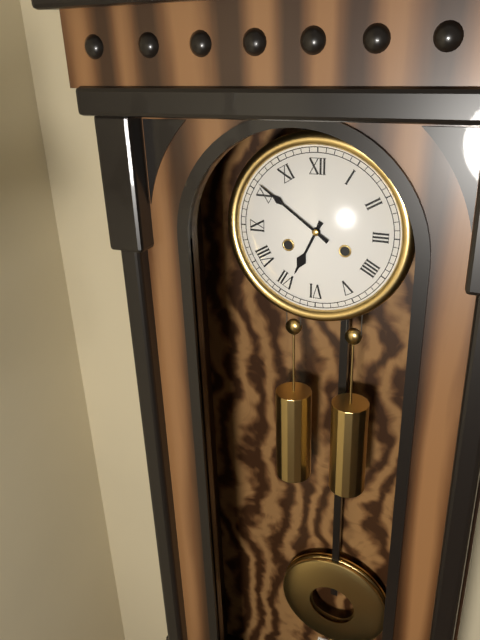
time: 6:51
